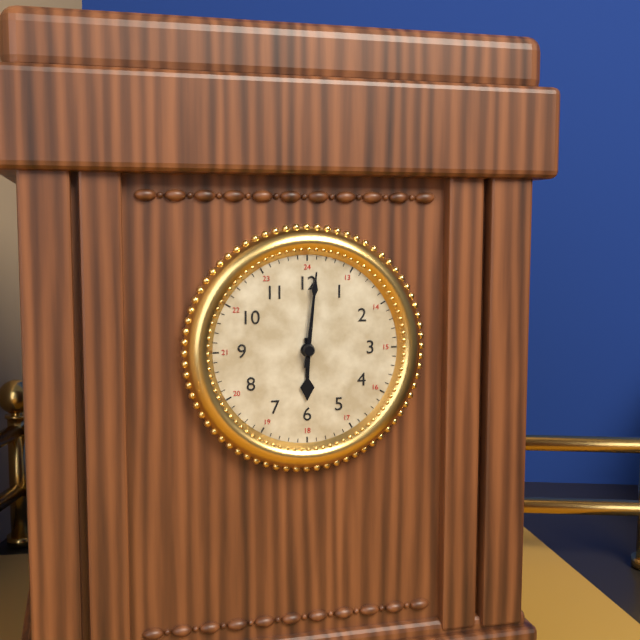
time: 6:01
